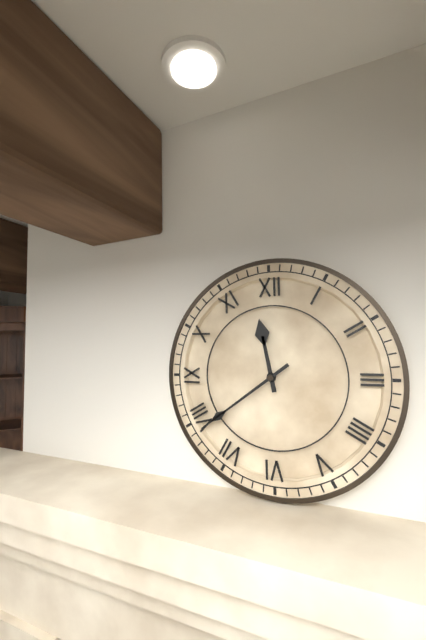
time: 11:39
